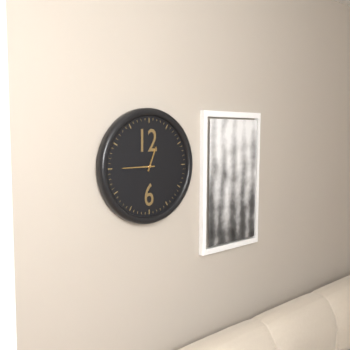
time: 12:45
